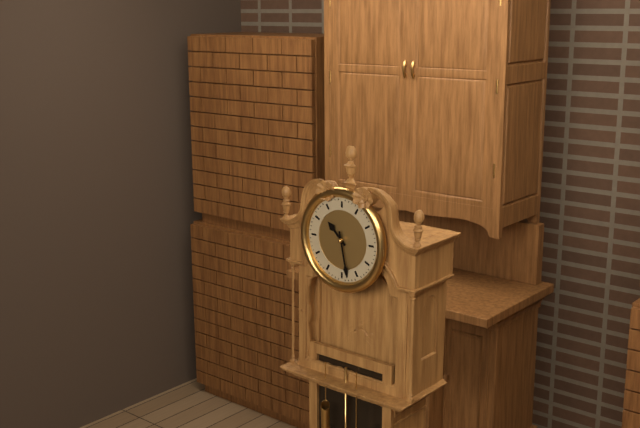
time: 10:28
